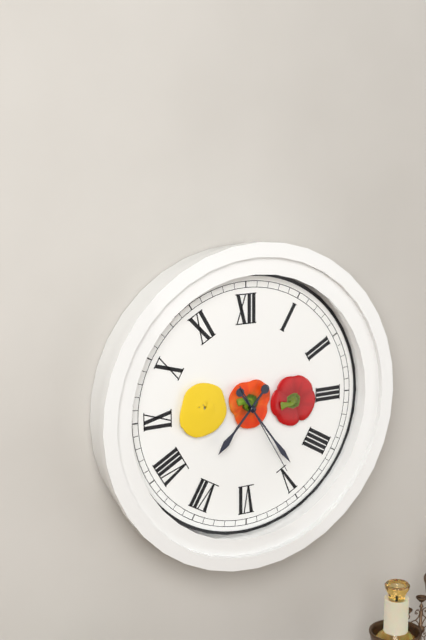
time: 7:24:25
